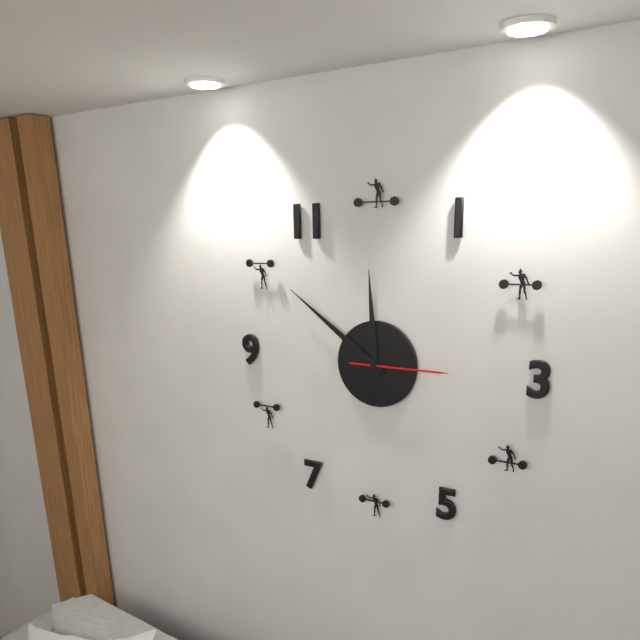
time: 11:51:15
